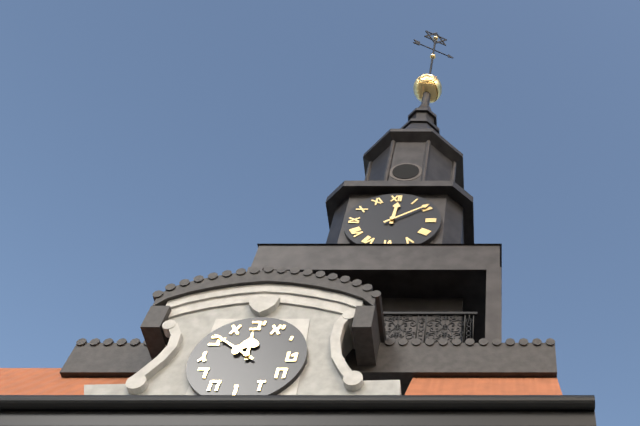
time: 12:09
